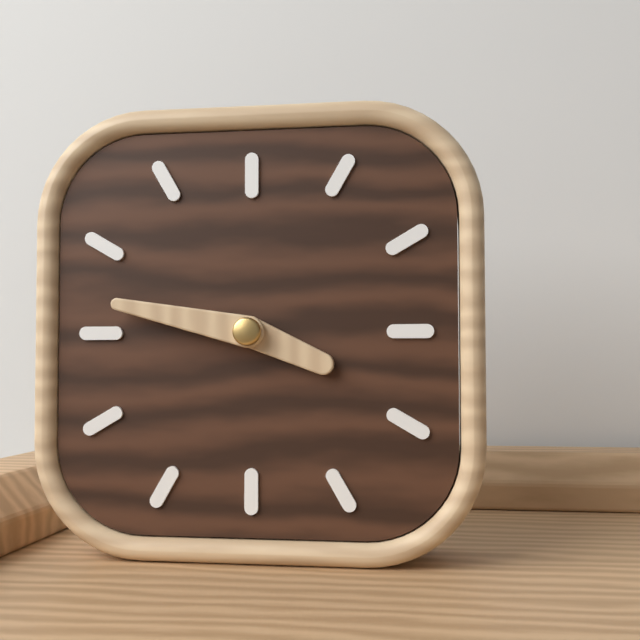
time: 3:47
